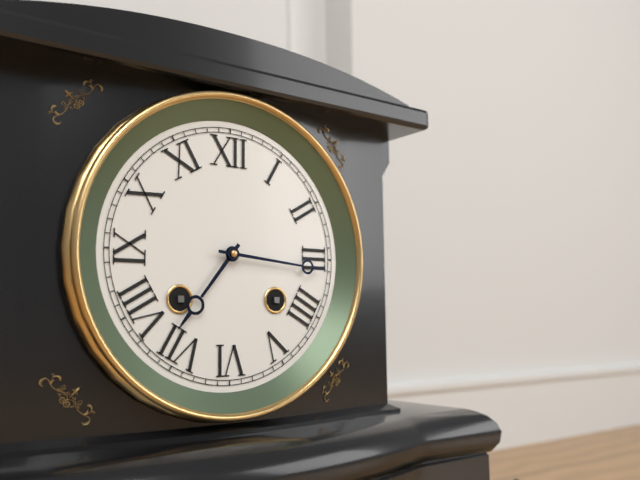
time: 7:16
